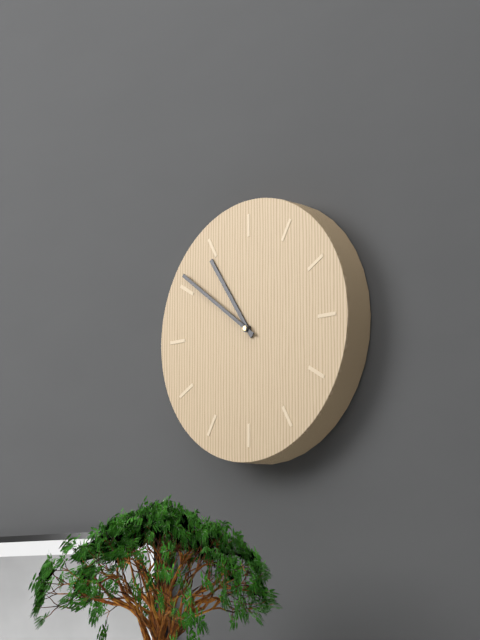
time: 10:51
